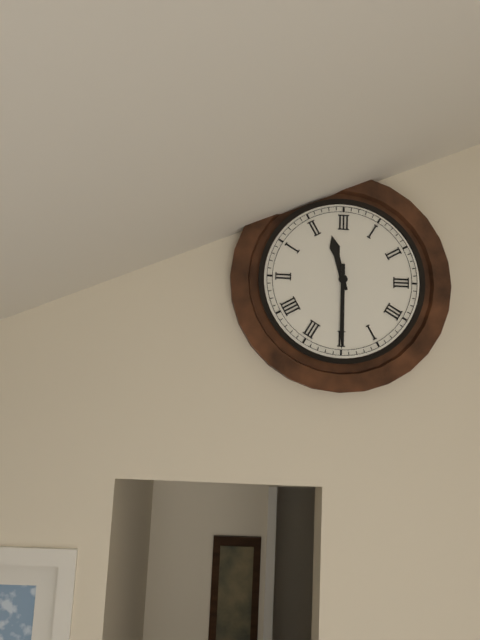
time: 11:30
